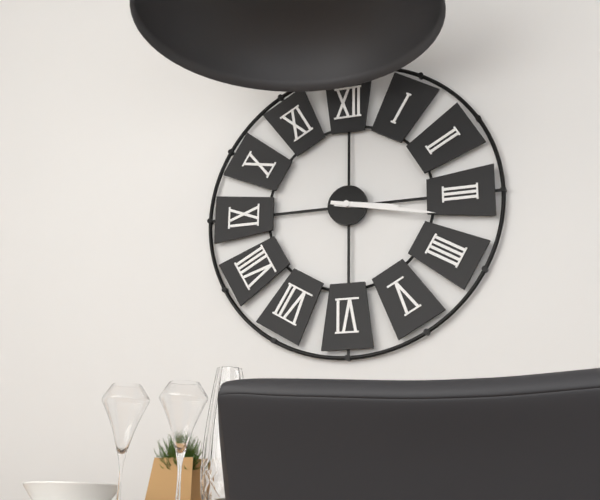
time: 3:17
